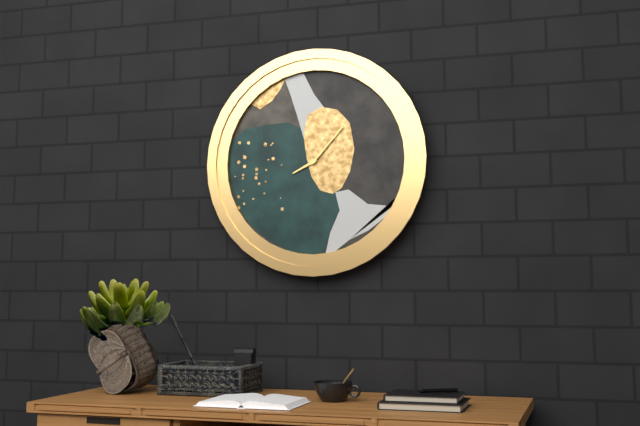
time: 8:07
